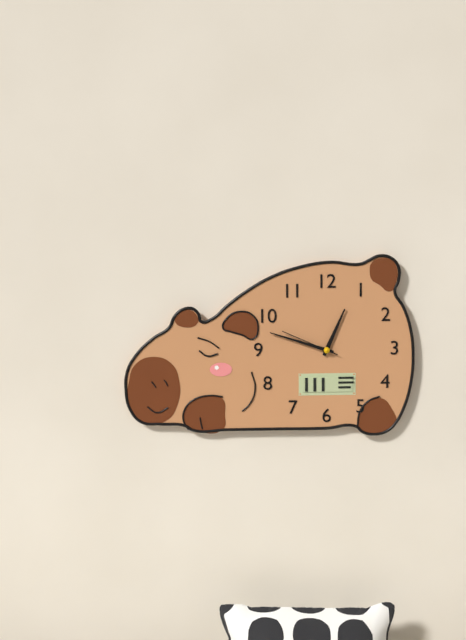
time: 12:48:49
